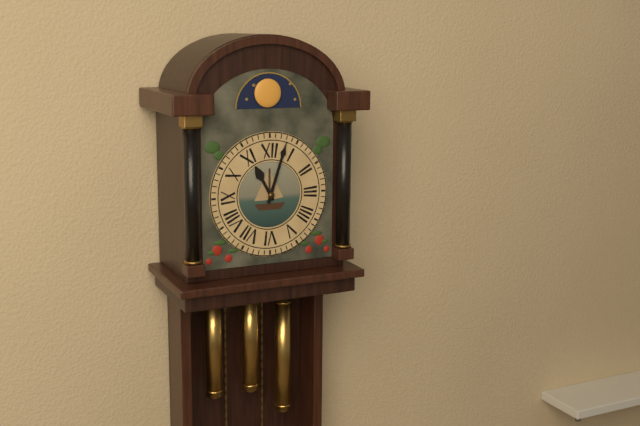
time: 11:03
